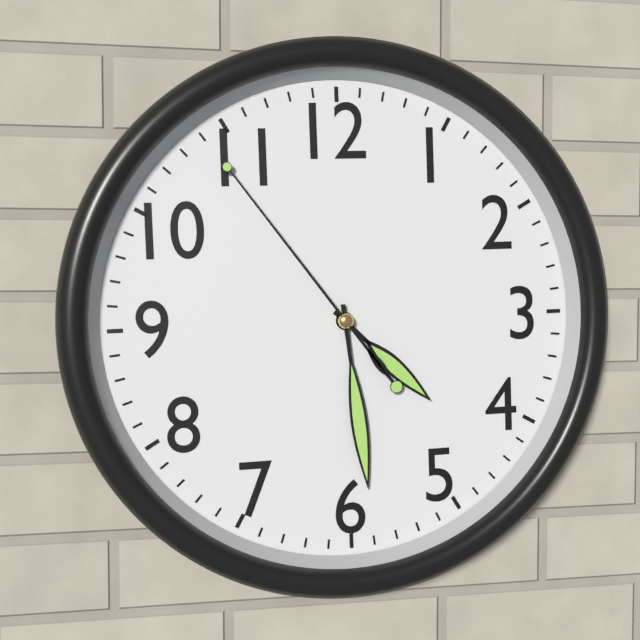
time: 4:29:54
